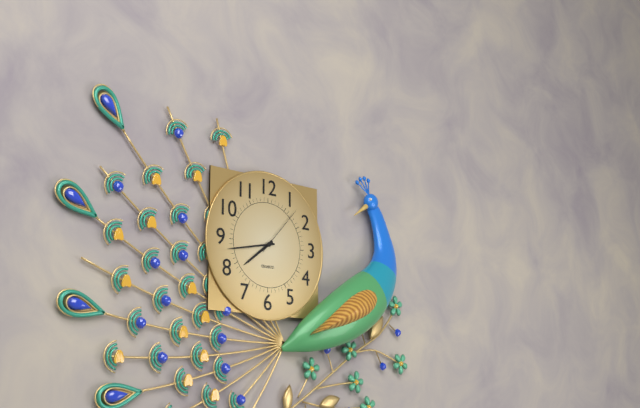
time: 7:43:07
